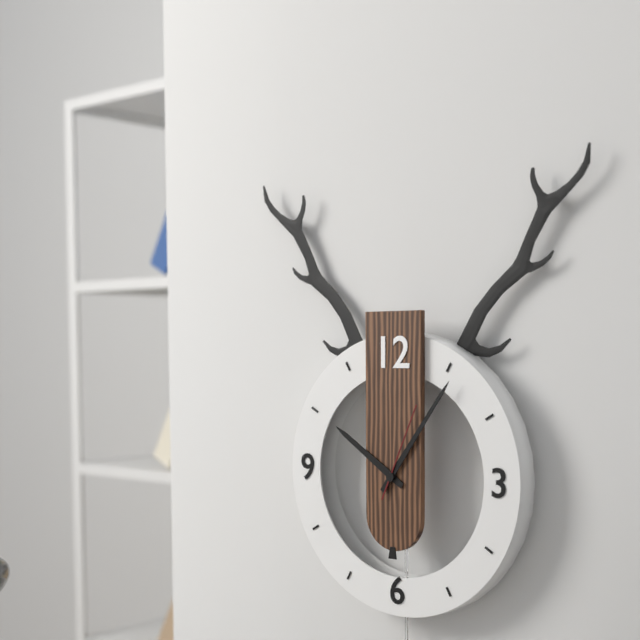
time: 10:06:04
